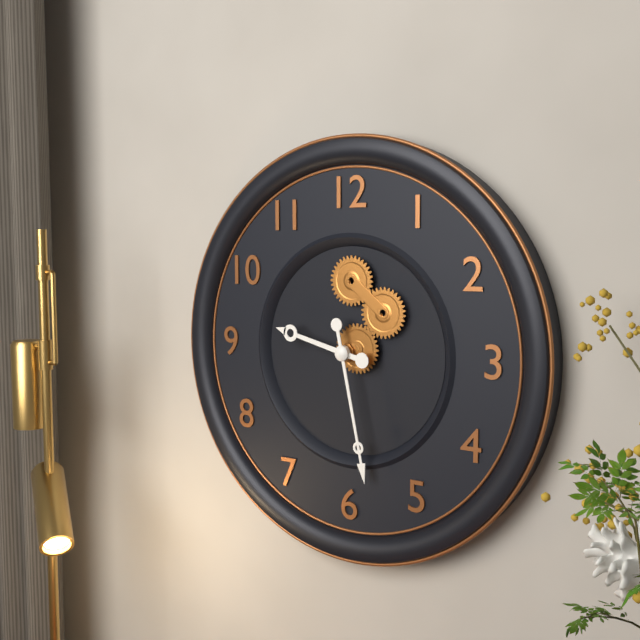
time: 9:28
